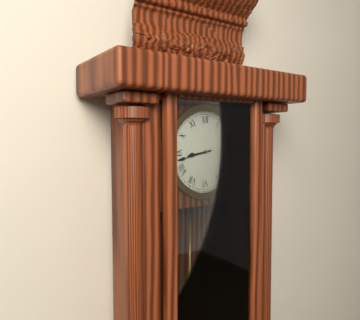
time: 8:43
